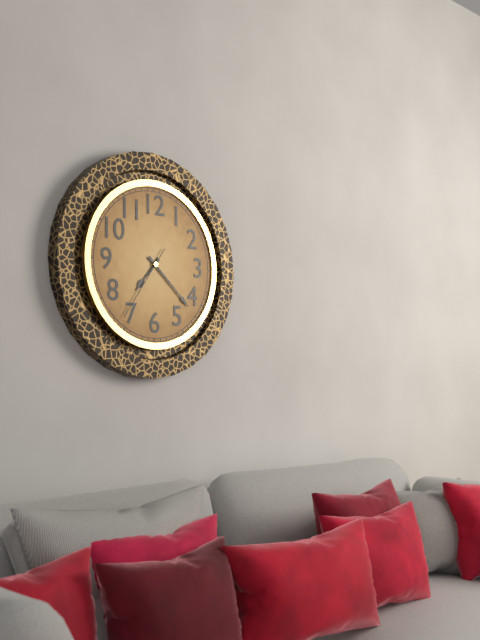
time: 7:22:36
